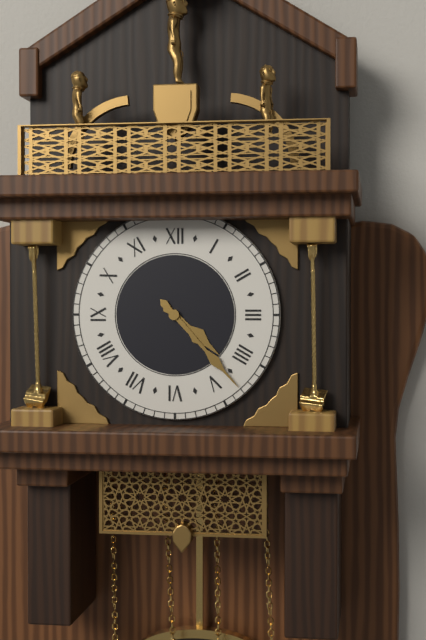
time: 4:23
